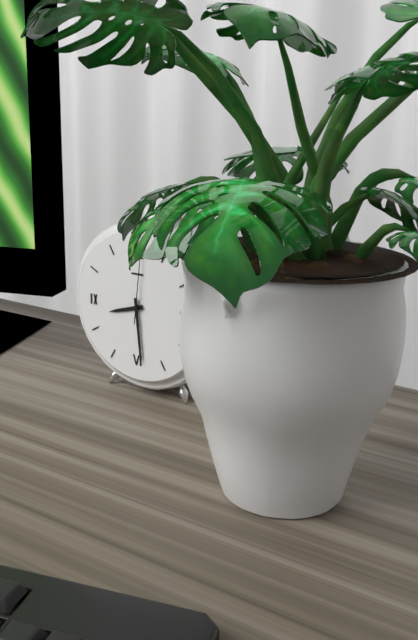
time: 8:29:01
